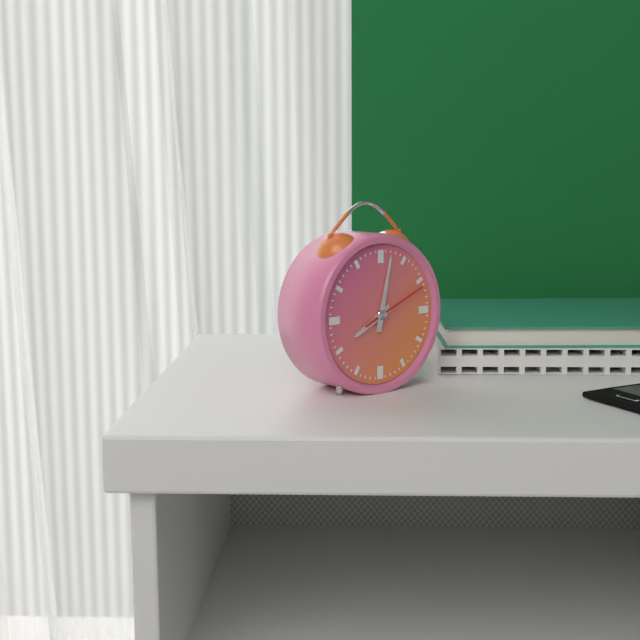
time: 8:02:11
